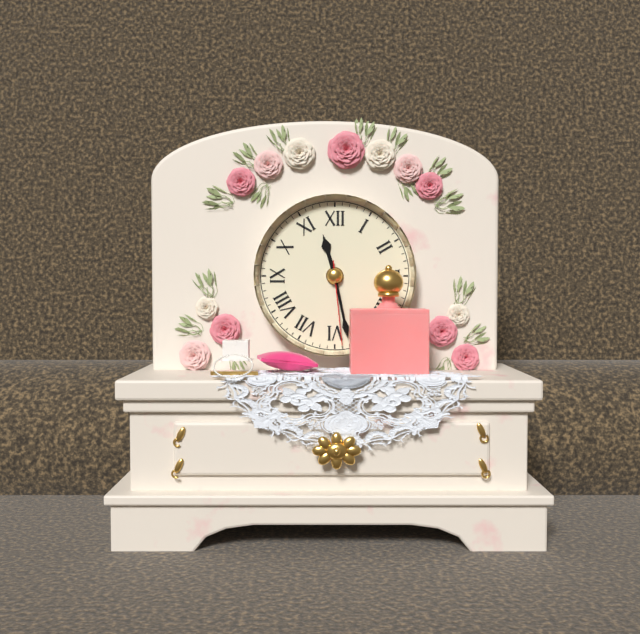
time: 11:28:29
